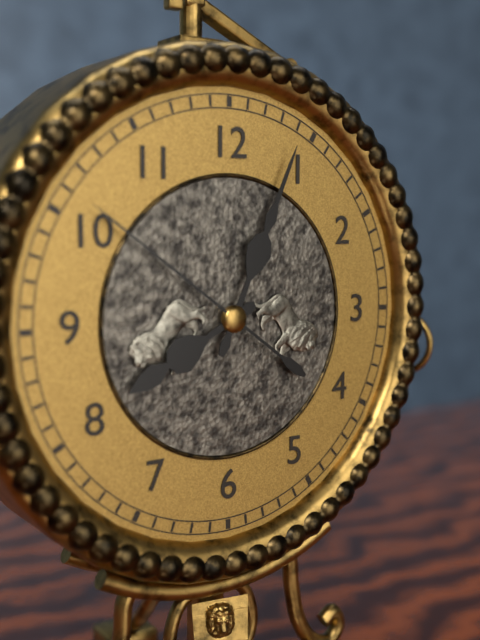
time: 8:04:51
